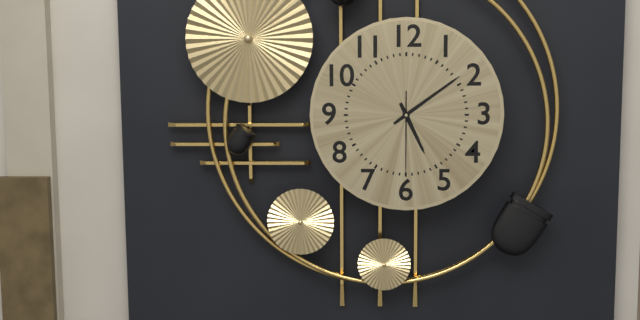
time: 5:09:30
